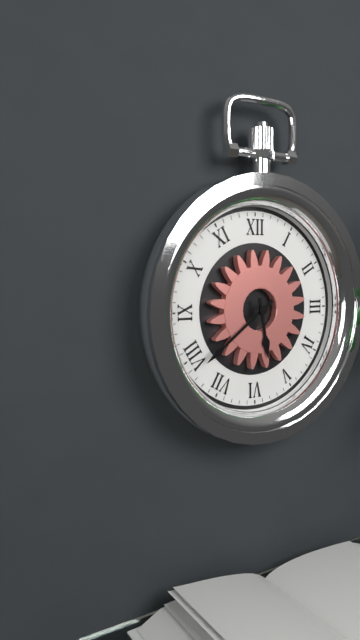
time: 5:39
